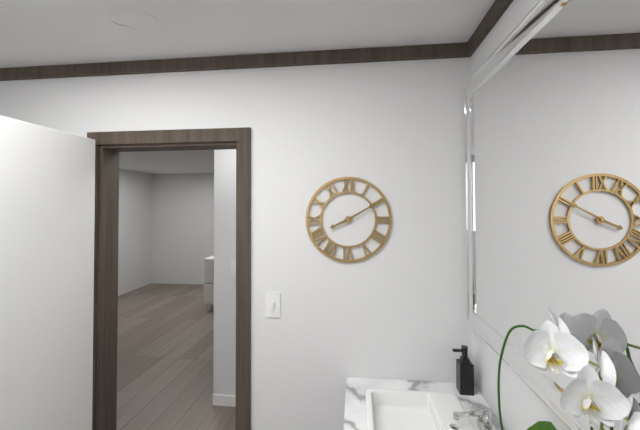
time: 8:10
